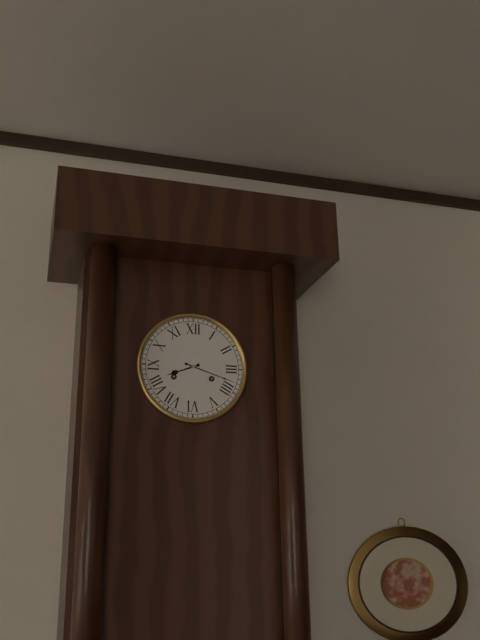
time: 8:18
